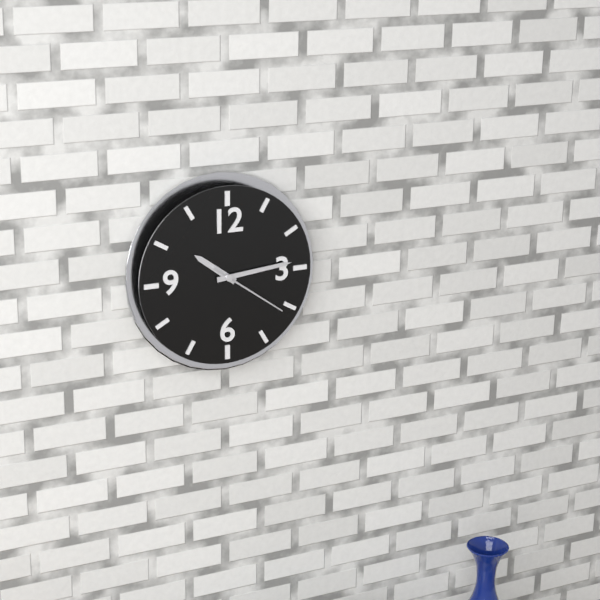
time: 10:14:21
